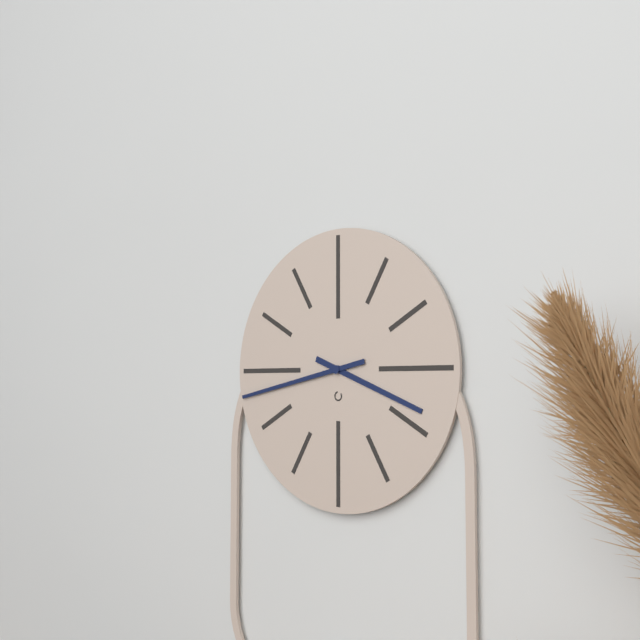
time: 3:43
